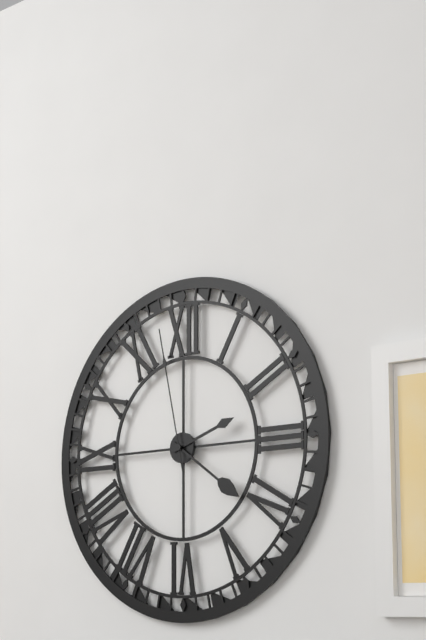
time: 2:21:58
